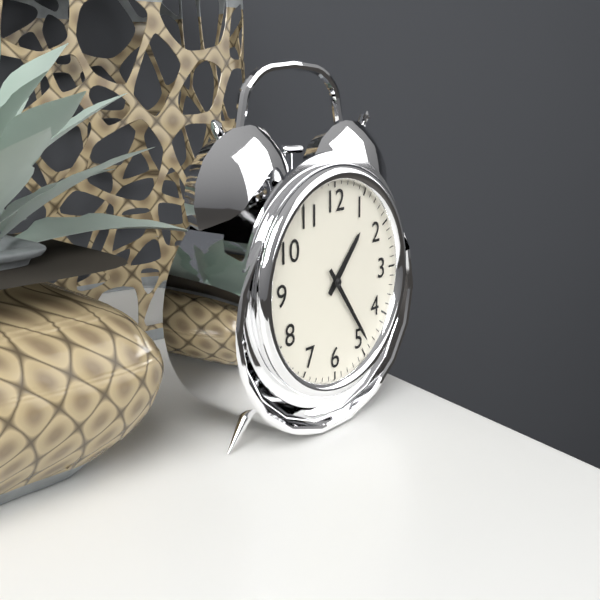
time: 1:24
